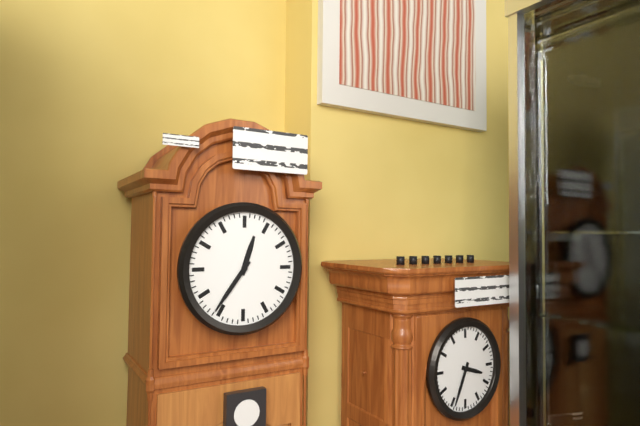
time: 12:36
